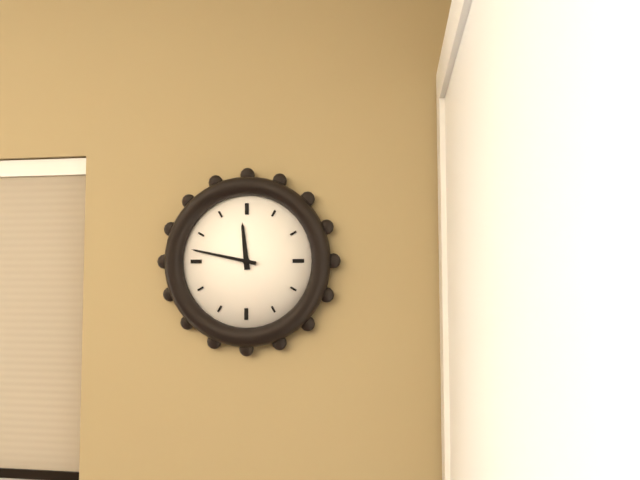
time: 11:47
